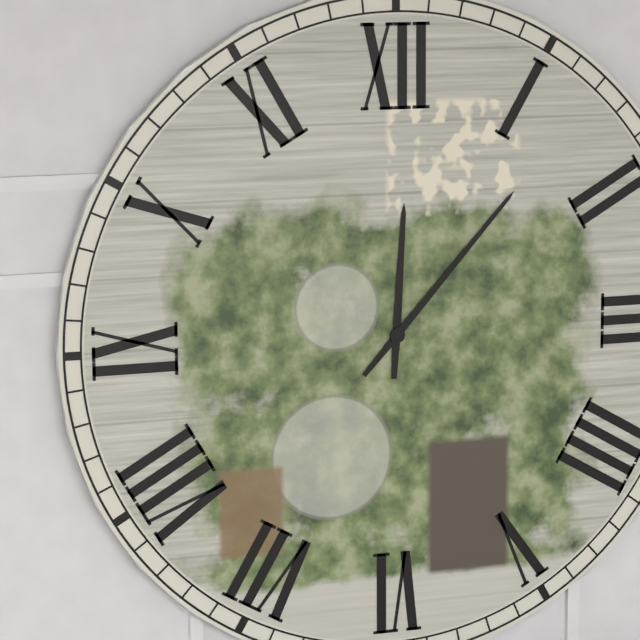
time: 12:07
